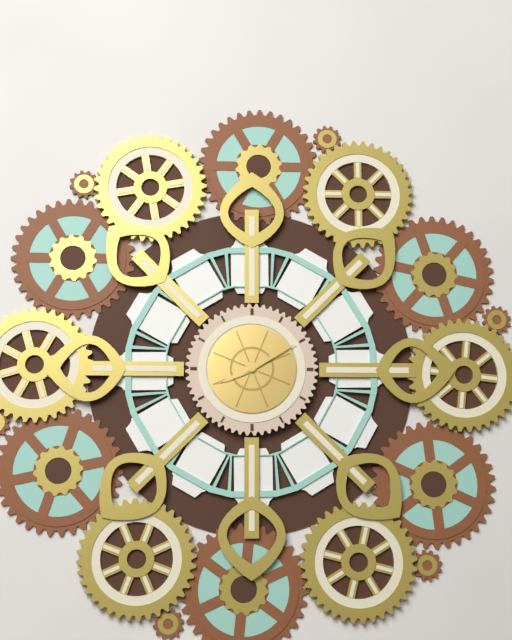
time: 8:10
